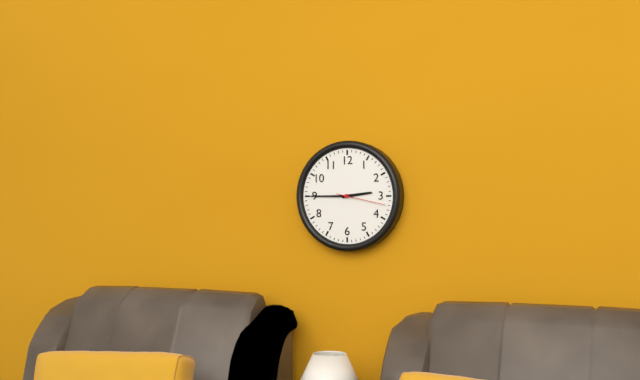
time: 2:45:17
